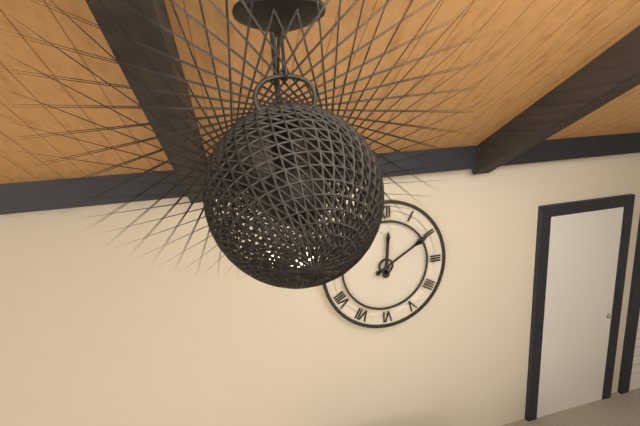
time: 12:10
